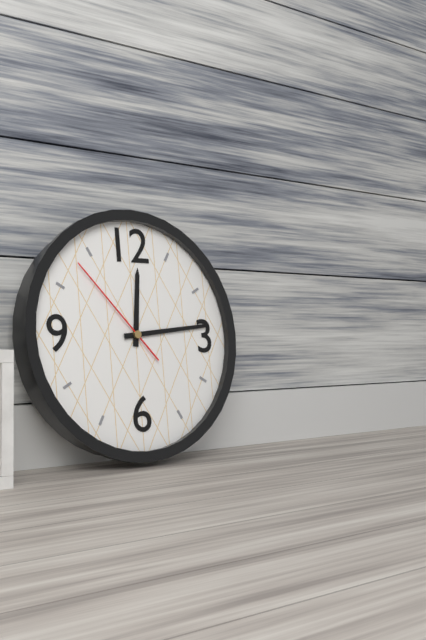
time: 12:14:53
